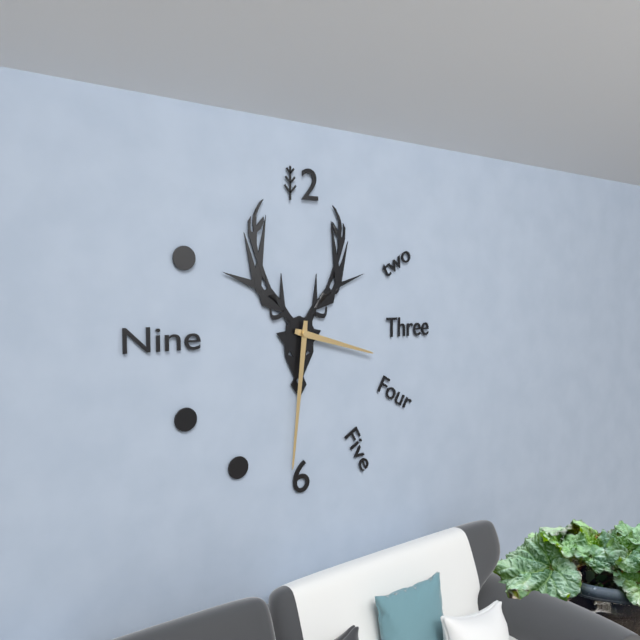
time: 3:31
